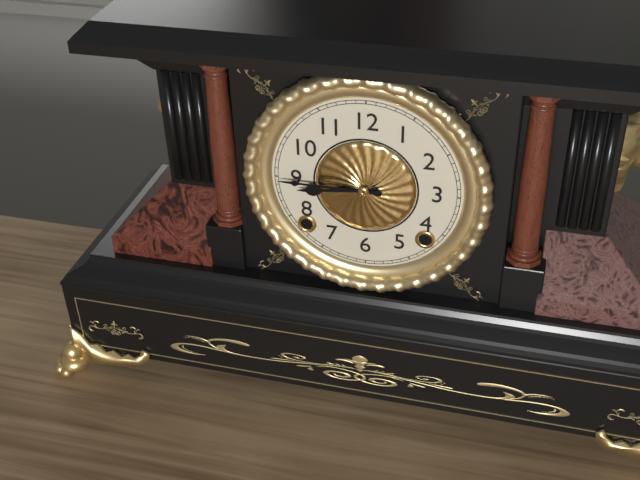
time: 8:45
